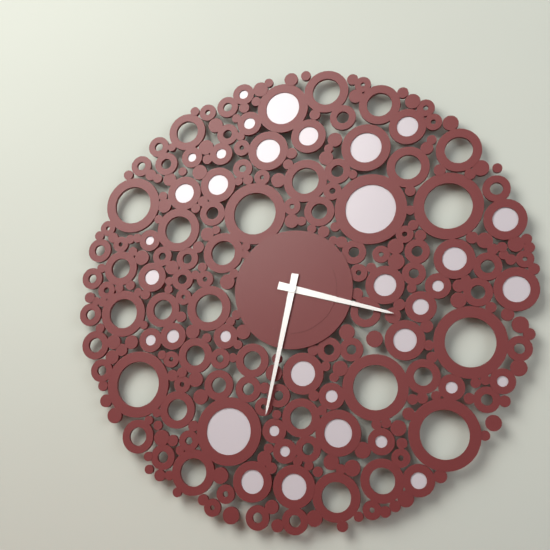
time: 3:32
